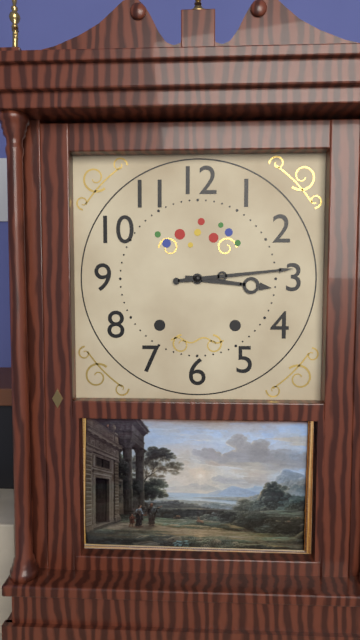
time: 3:14
